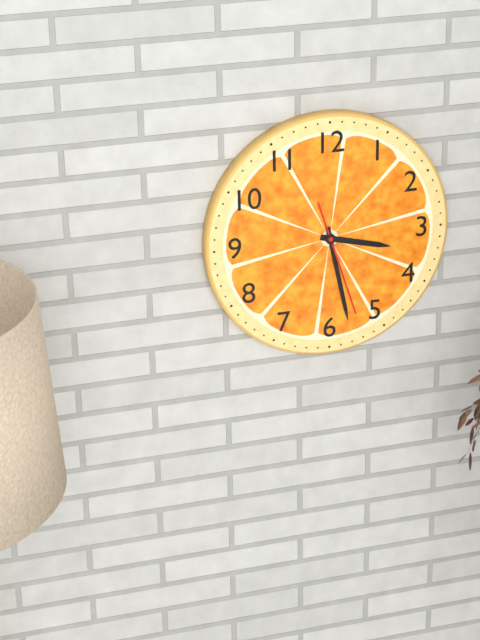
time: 3:28:27
